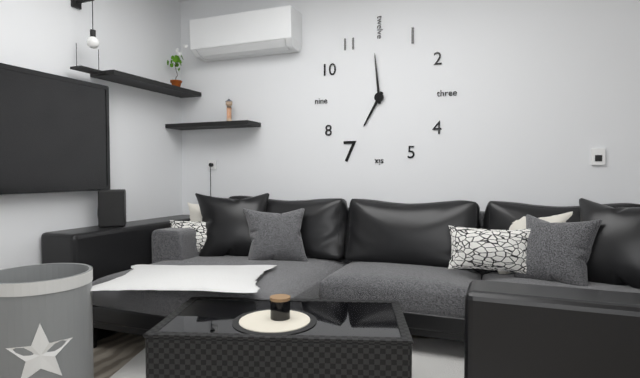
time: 6:59
